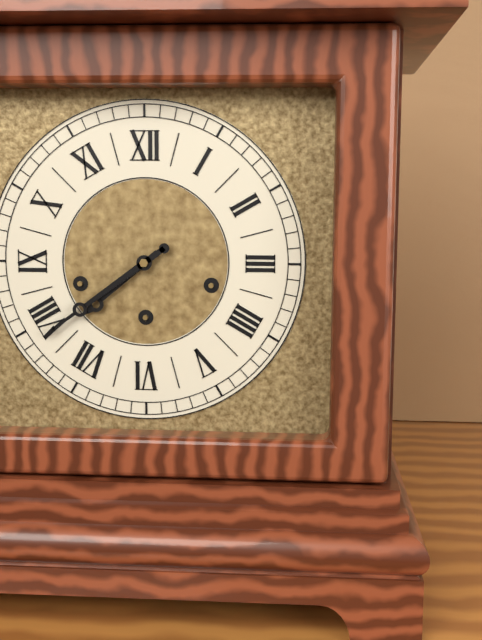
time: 7:39
